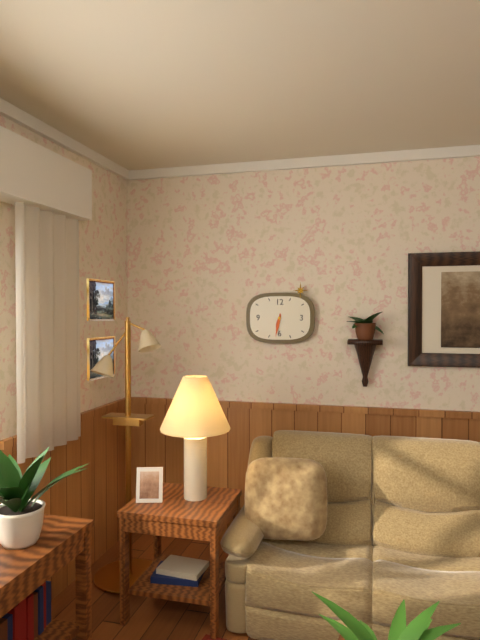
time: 6:32
